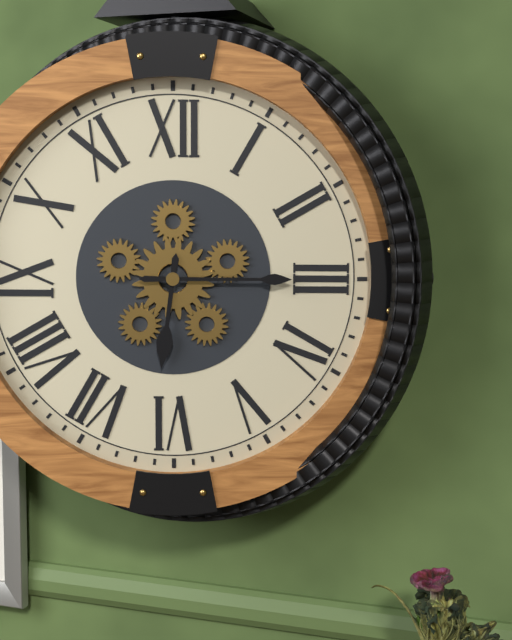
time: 6:15
